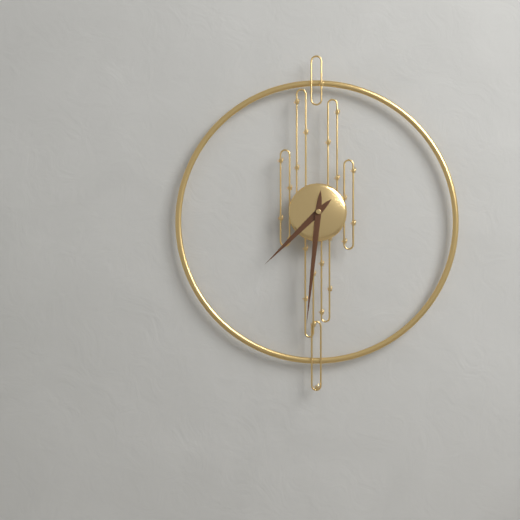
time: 7:31
